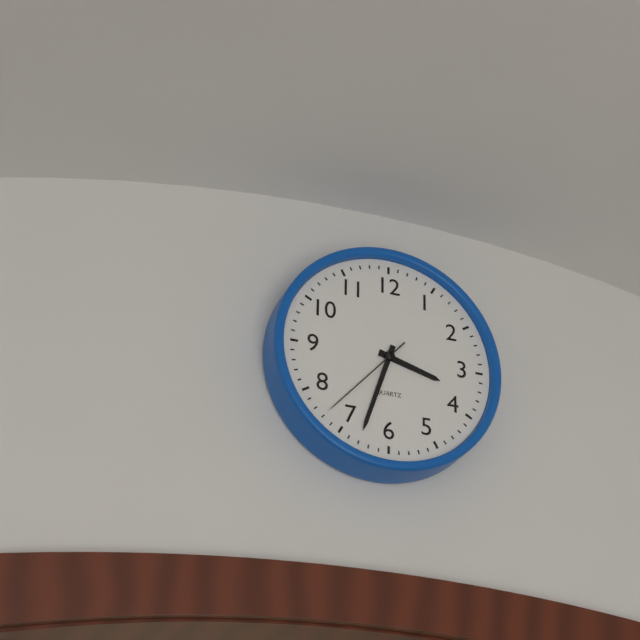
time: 3:33:37
